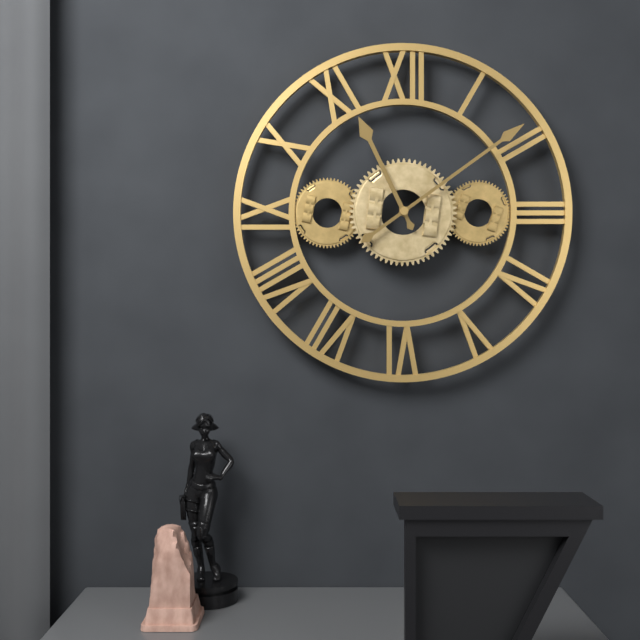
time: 11:09
